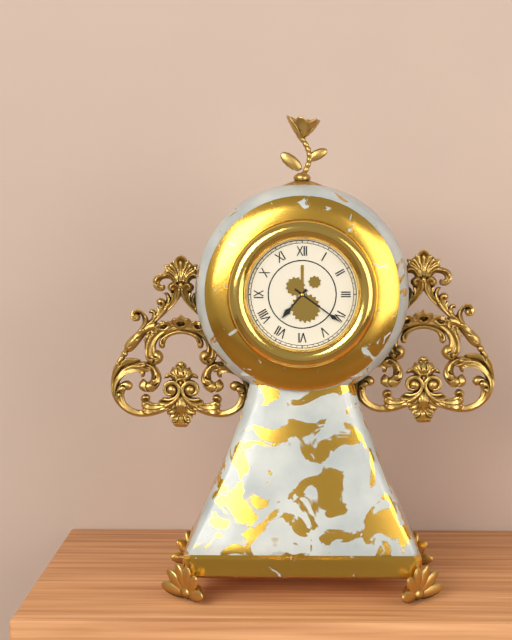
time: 7:21
